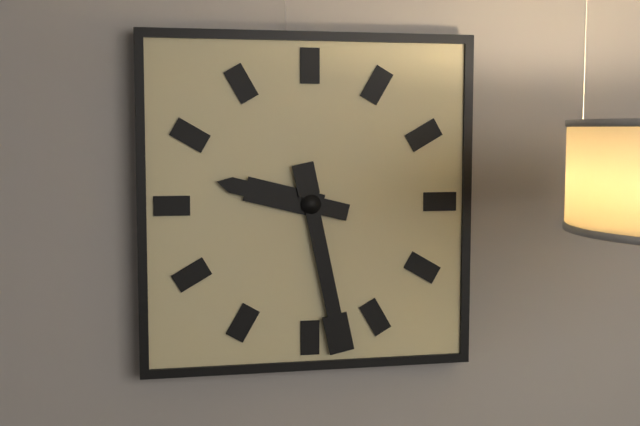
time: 9:28
